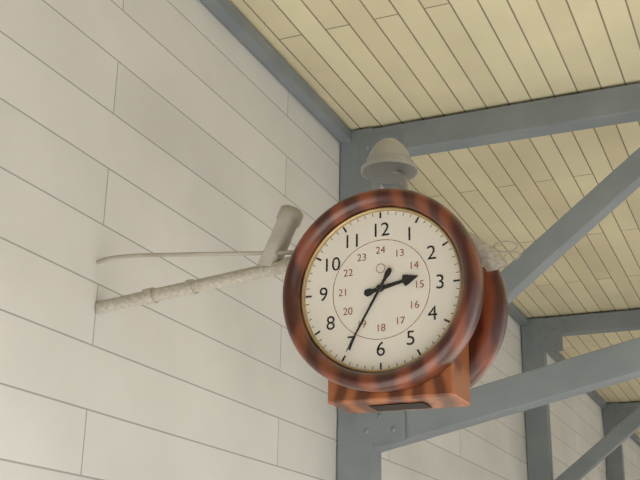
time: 2:35
